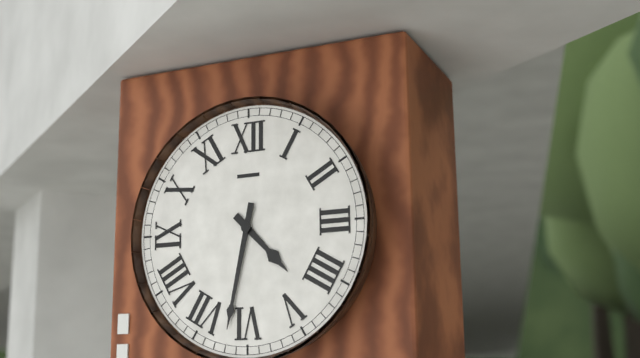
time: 4:32
